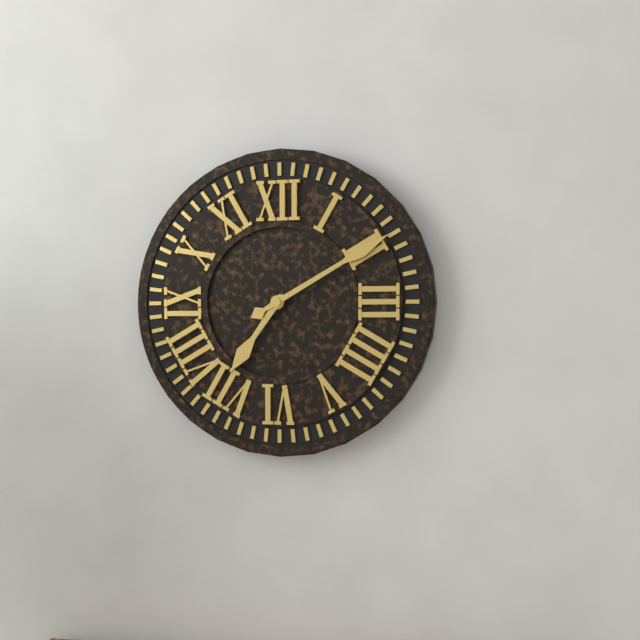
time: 7:10
